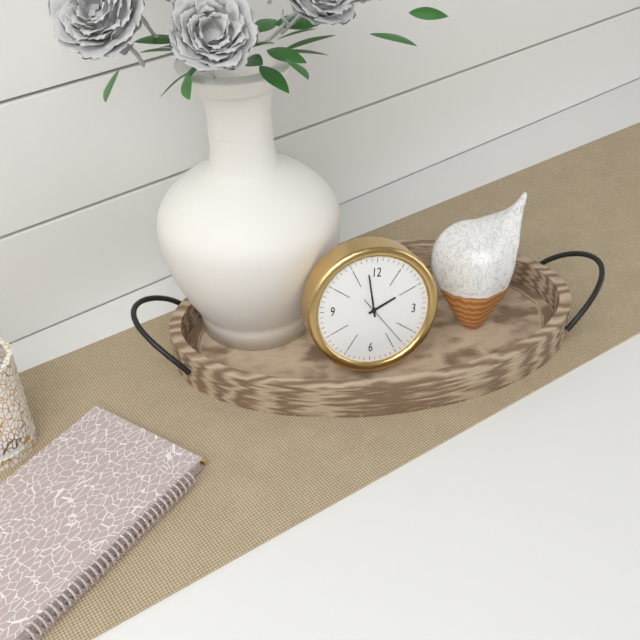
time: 1:58:23
